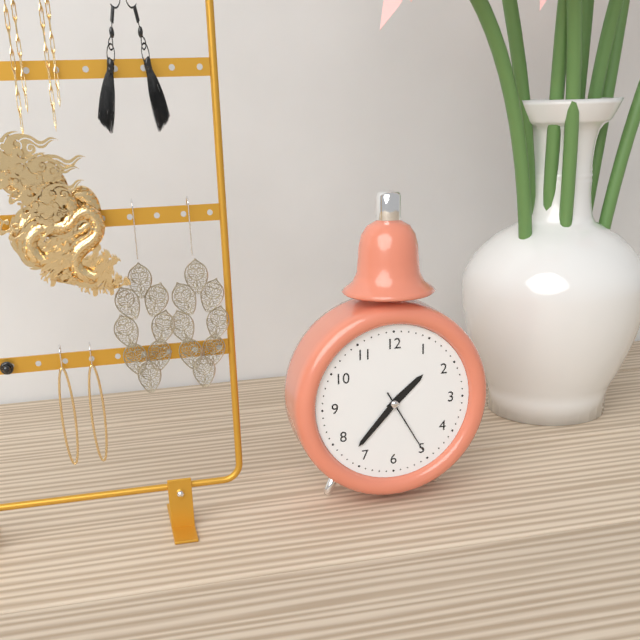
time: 1:37:25
